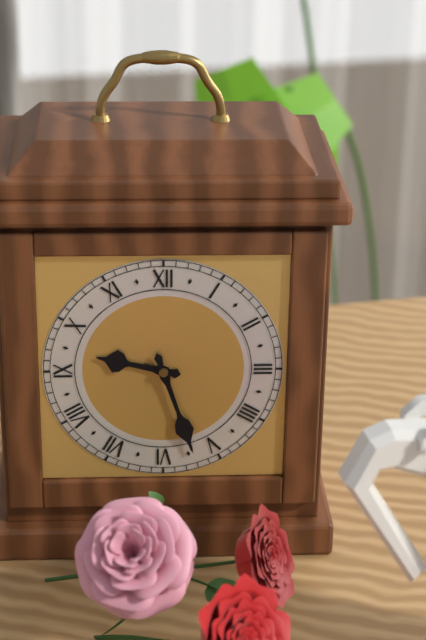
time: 9:27
